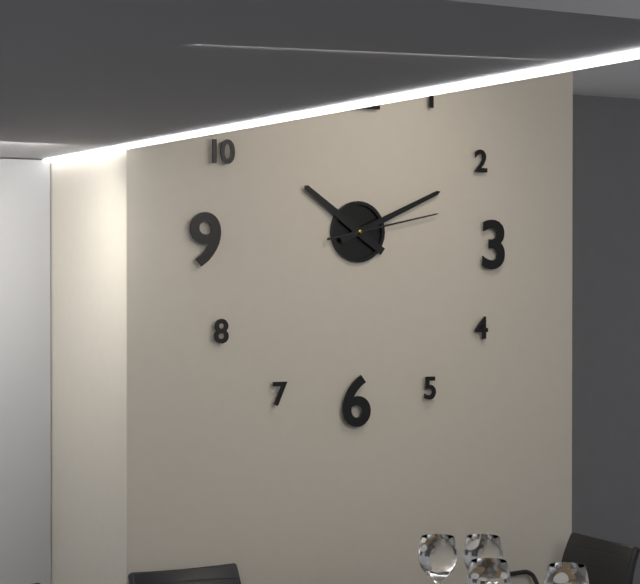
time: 10:11:13
